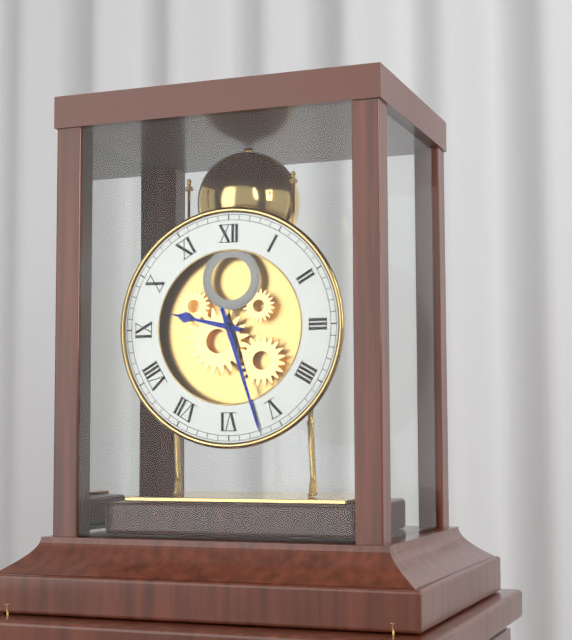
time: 9:27
